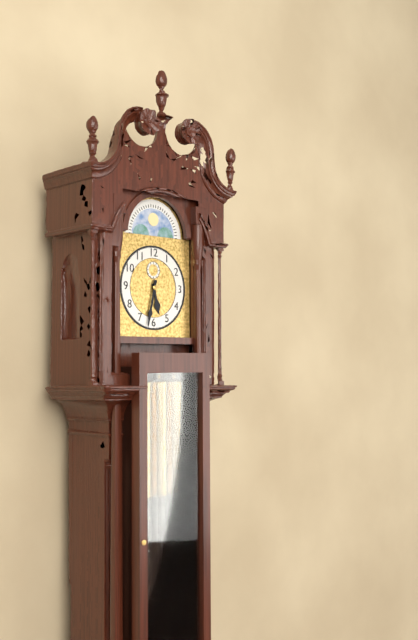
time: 5:32
